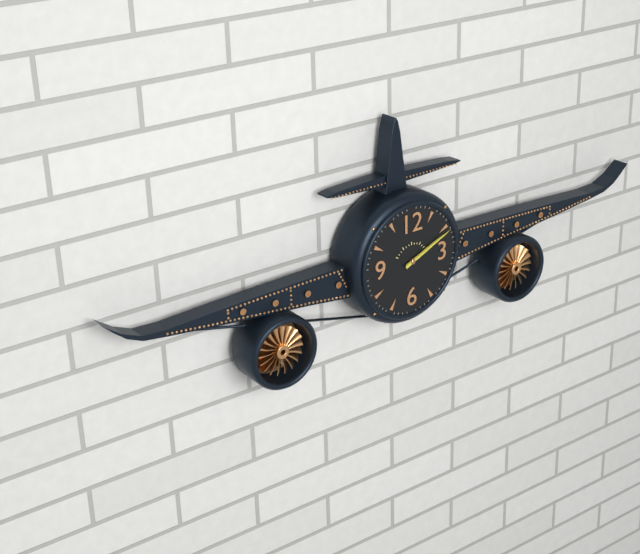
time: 2:11
